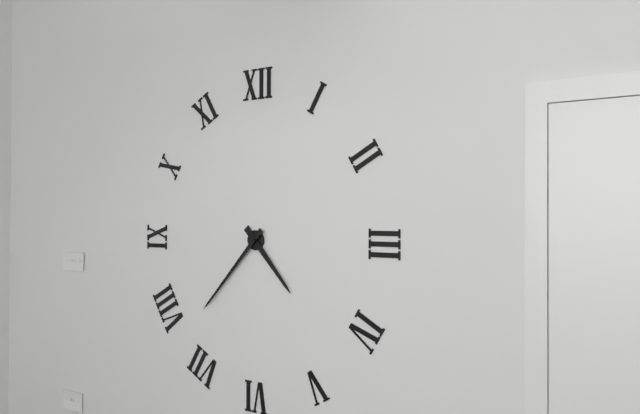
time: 4:37
